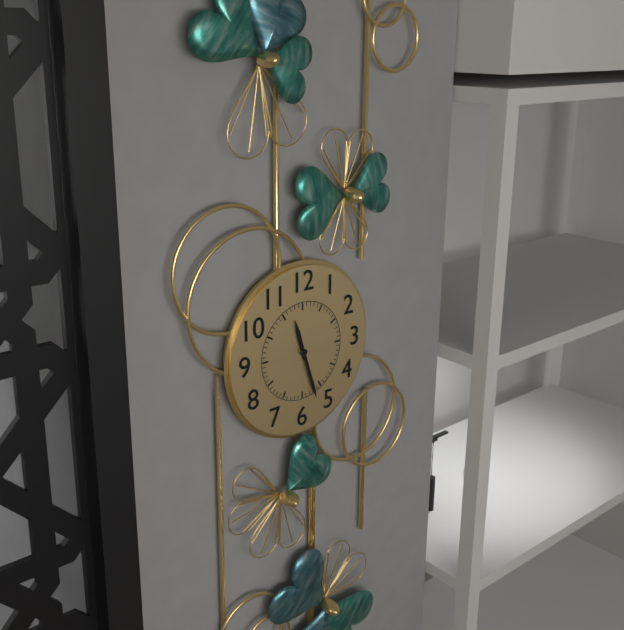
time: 11:27
